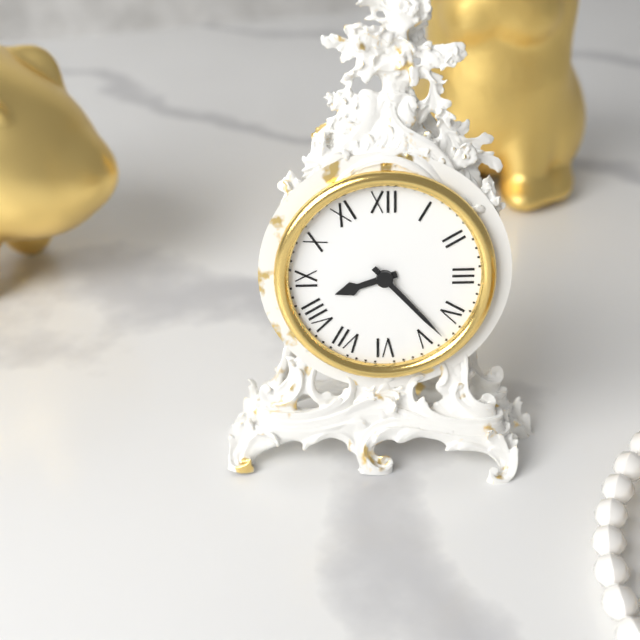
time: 8:23
